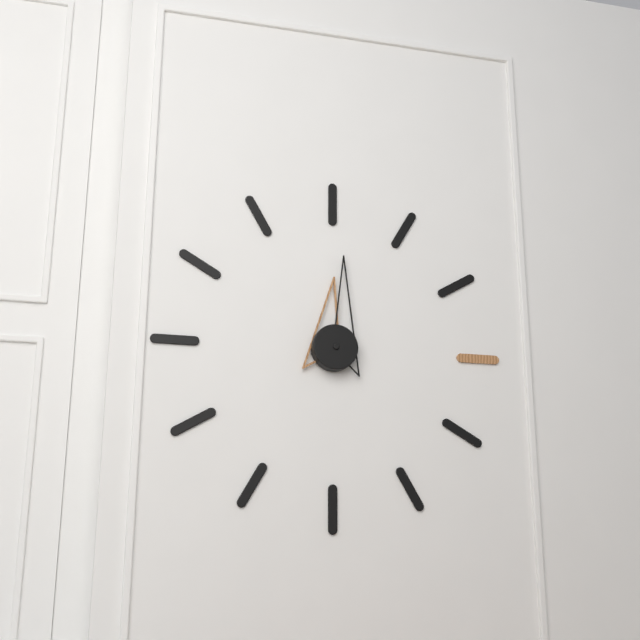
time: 12:01
